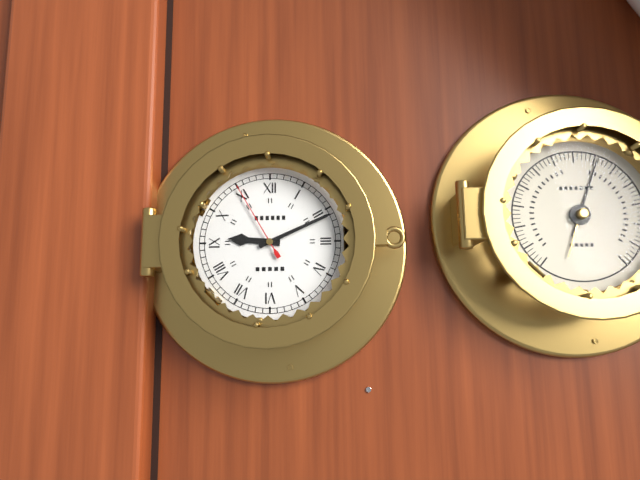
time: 9:11:55
